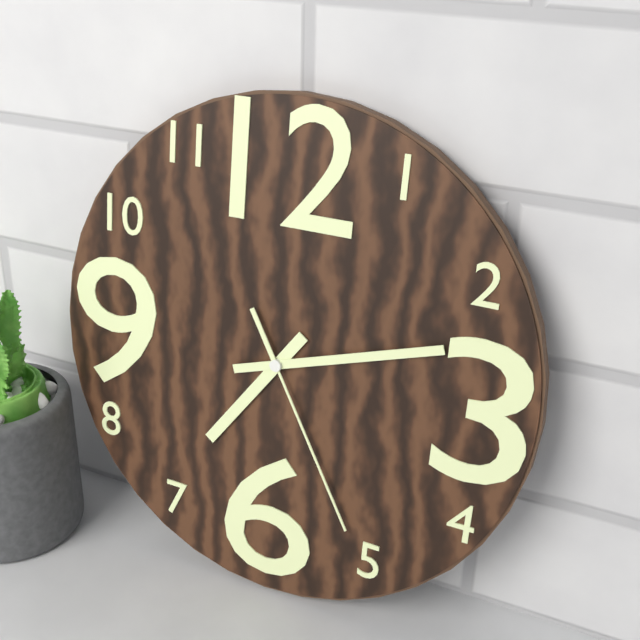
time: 7:12:25
